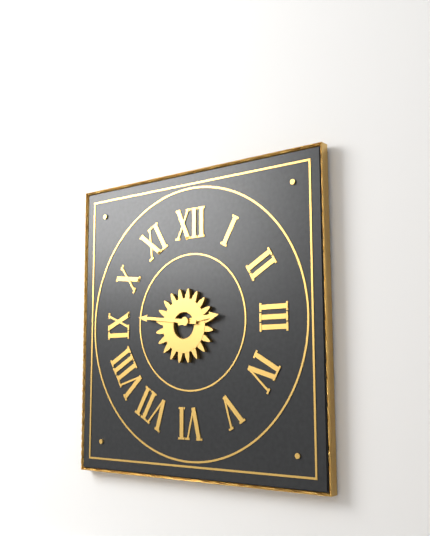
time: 2:46
